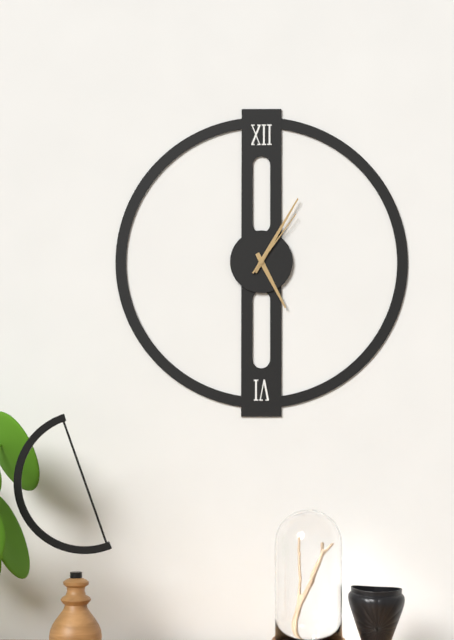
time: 5:05:06
